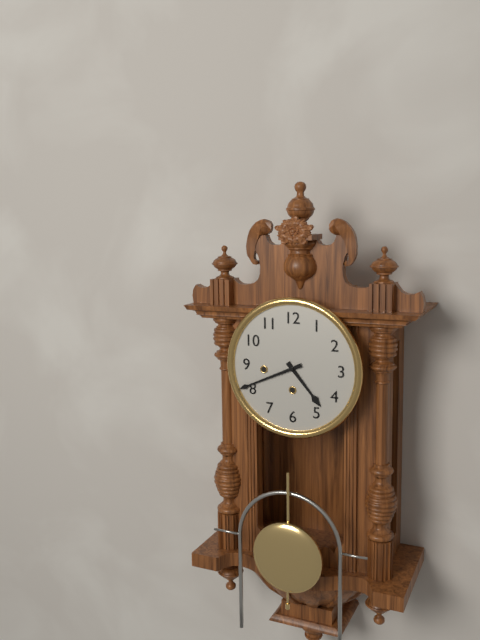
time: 4:41
